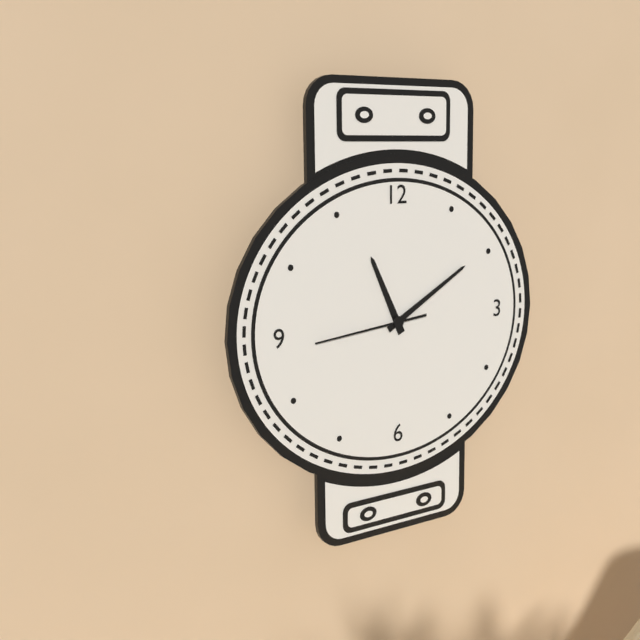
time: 11:10:44
